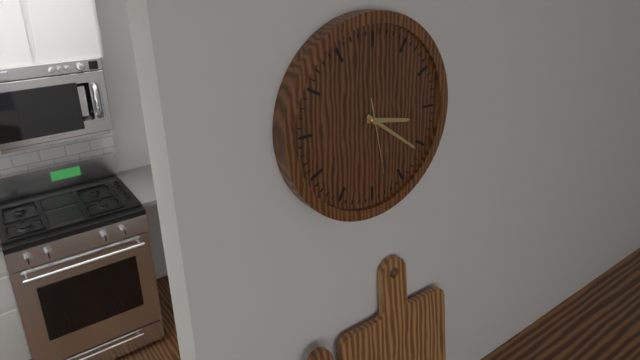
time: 3:21:28
